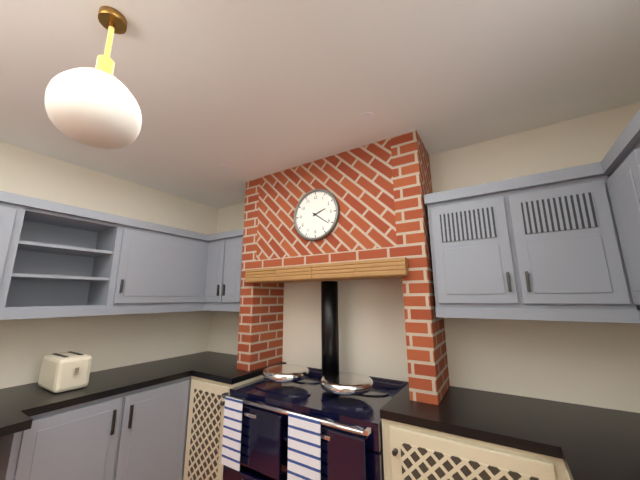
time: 2:21
